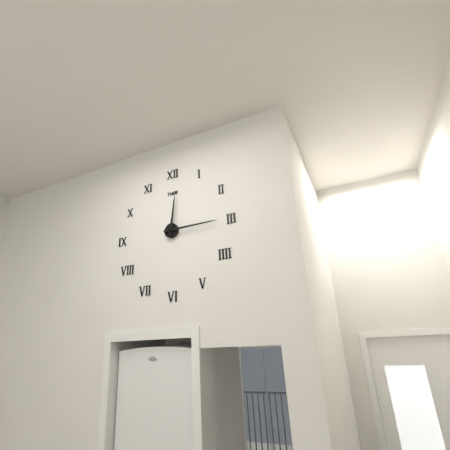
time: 12:15
